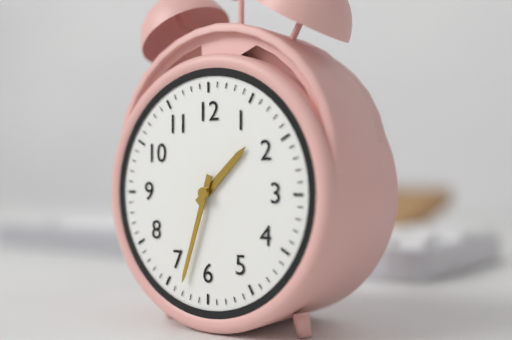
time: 1:33
